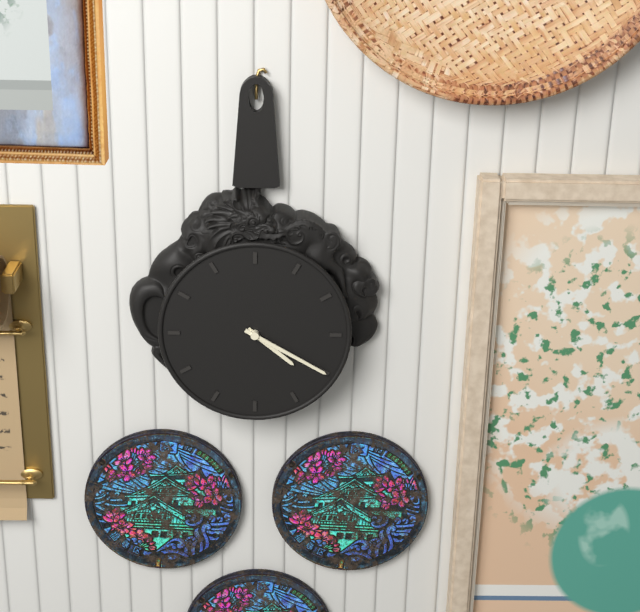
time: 4:20
